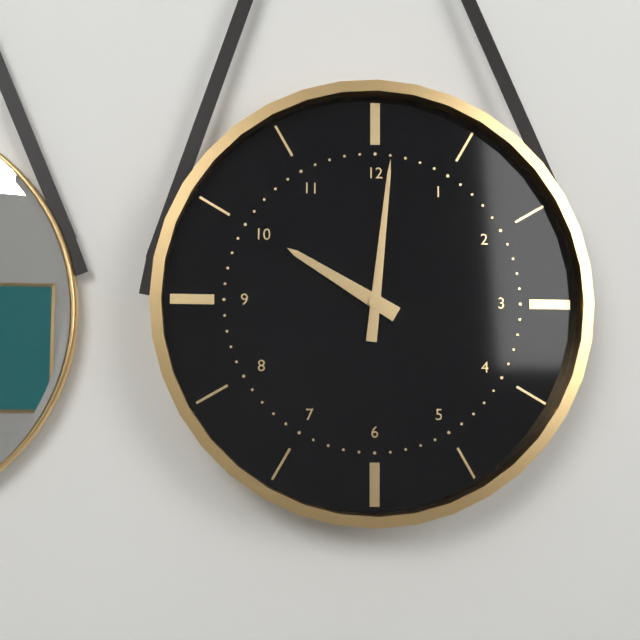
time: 10:01
